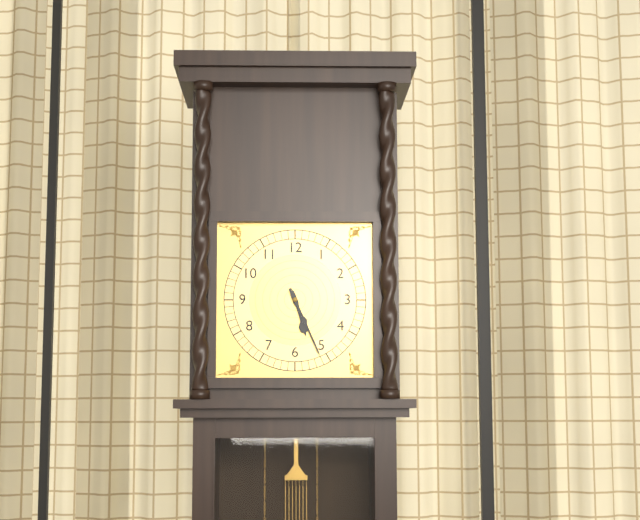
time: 5:26
